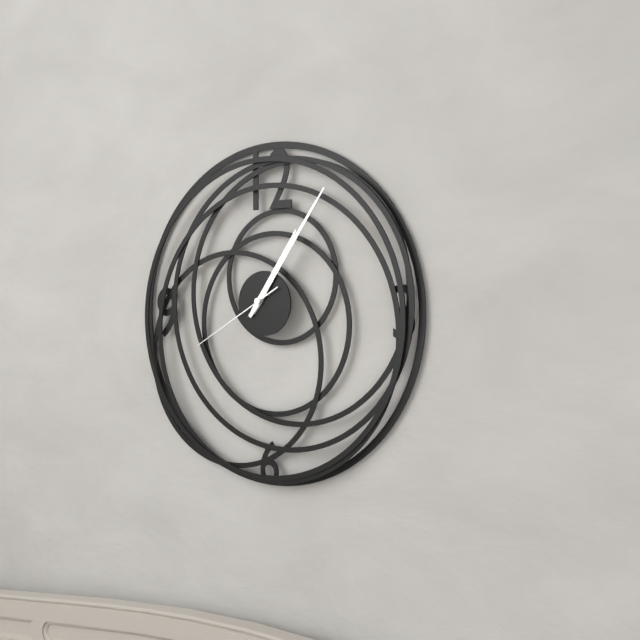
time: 1:06:40
